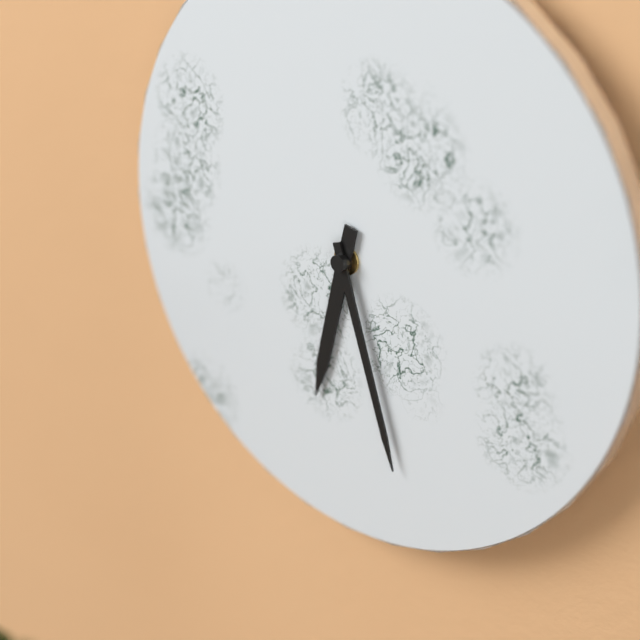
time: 6:27
